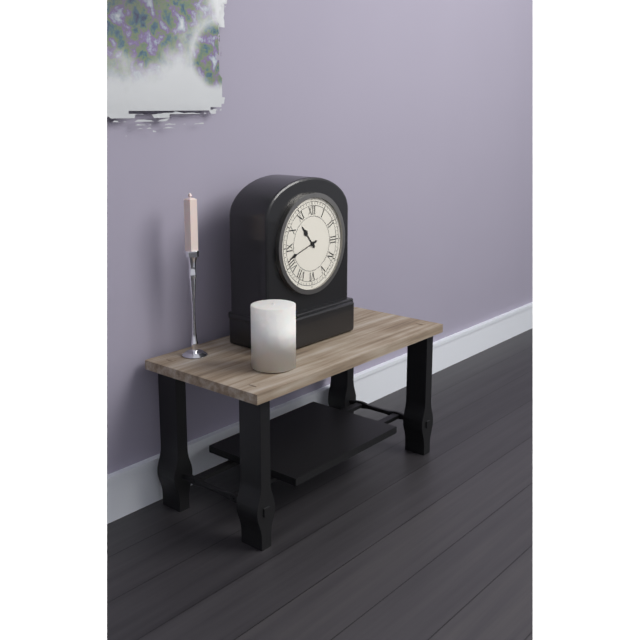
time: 10:42
